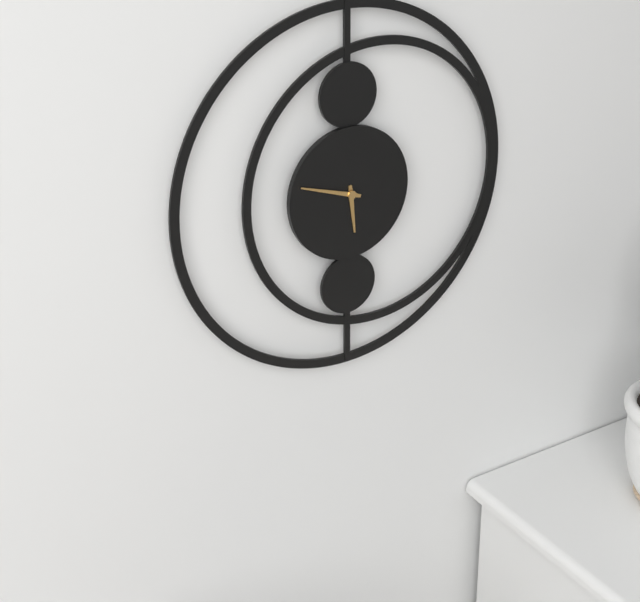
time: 5:48
